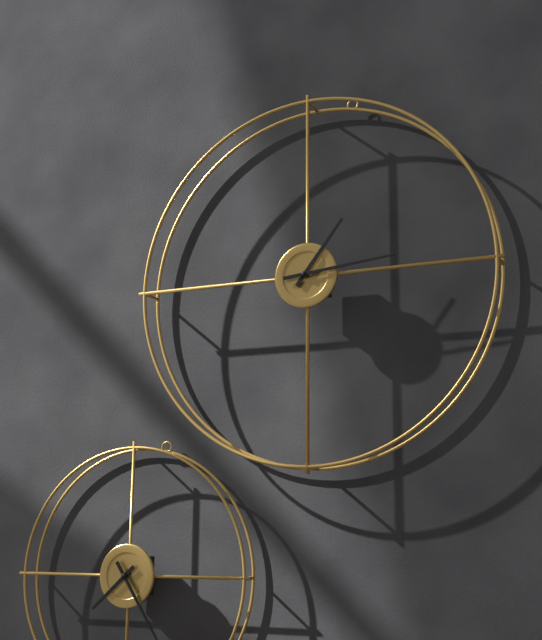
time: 1:14
